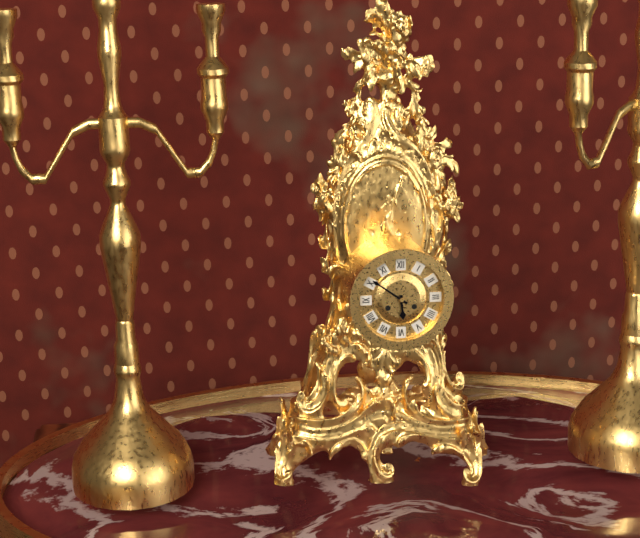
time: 5:51
